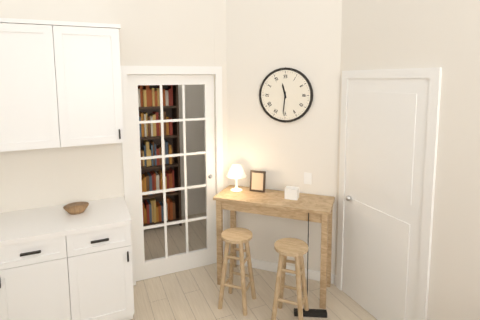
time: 11:31
